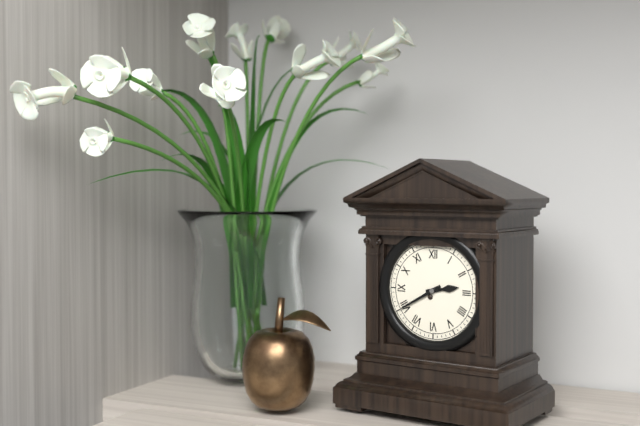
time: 2:40
